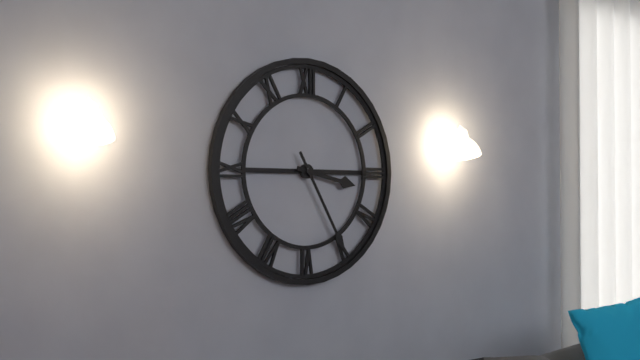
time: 3:25
